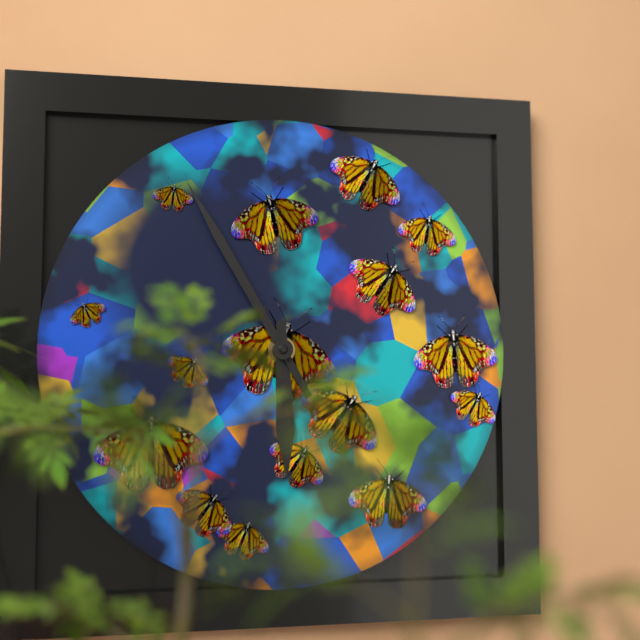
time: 5:55
